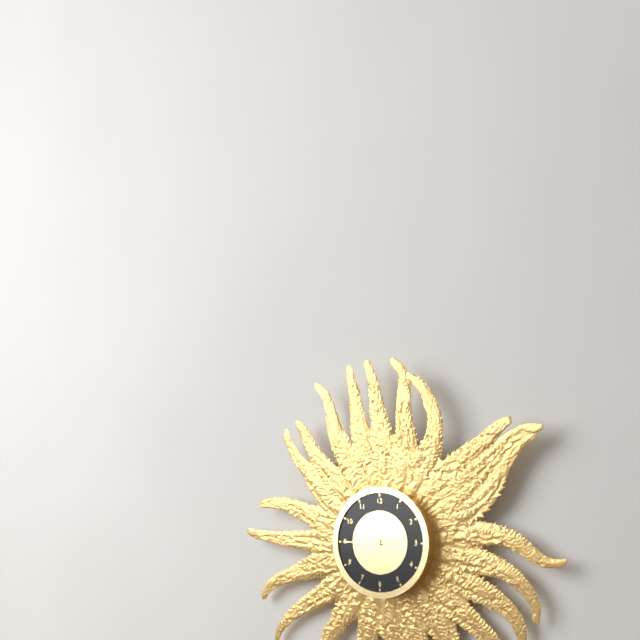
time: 2:45
